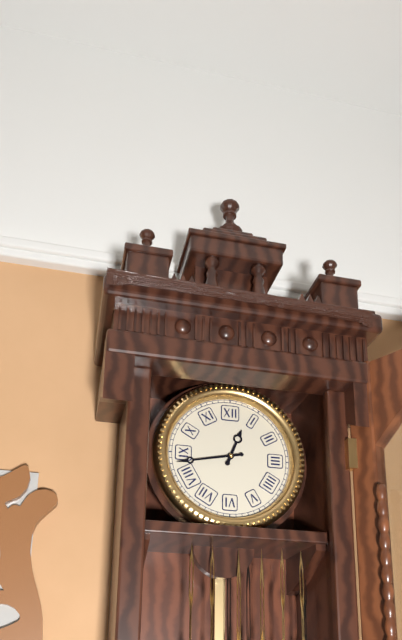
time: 12:43
